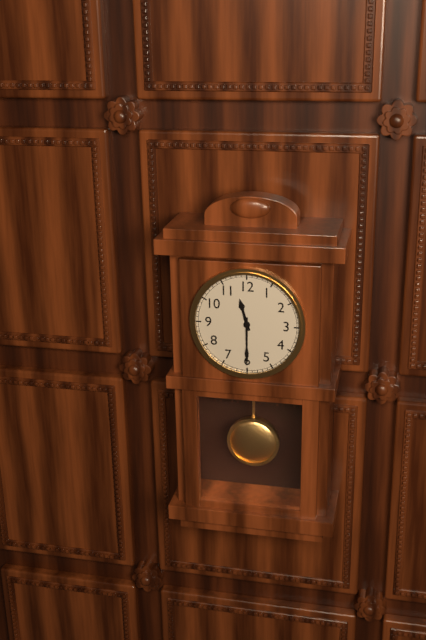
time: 11:30
